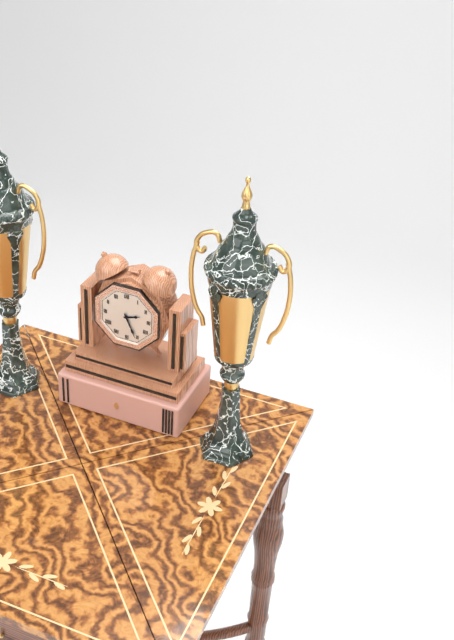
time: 2:26
